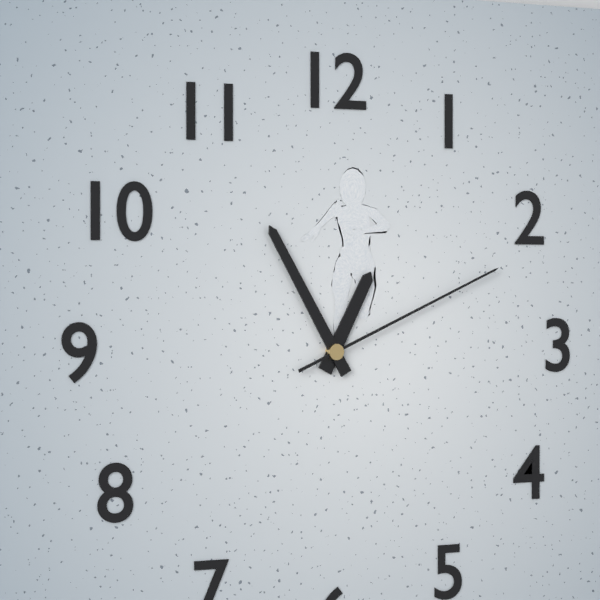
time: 12:55:11
